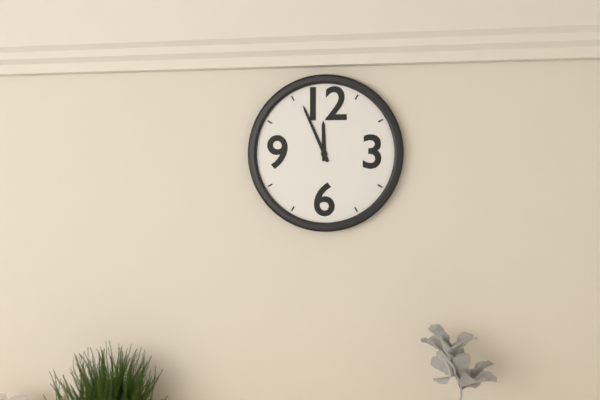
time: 11:56
